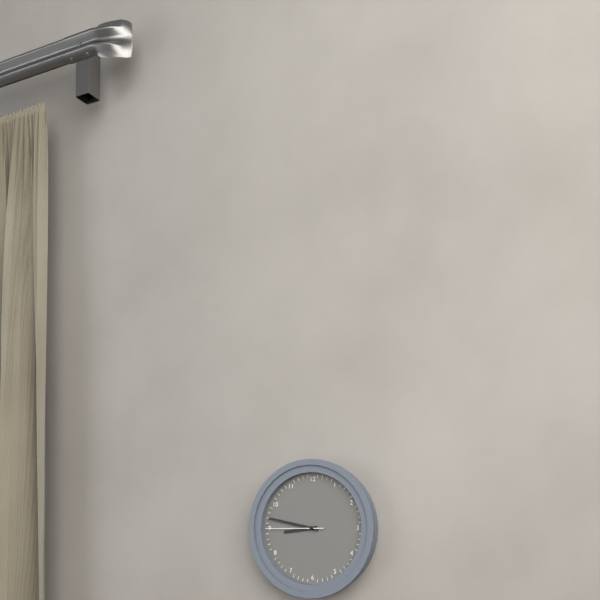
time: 8:47:45
